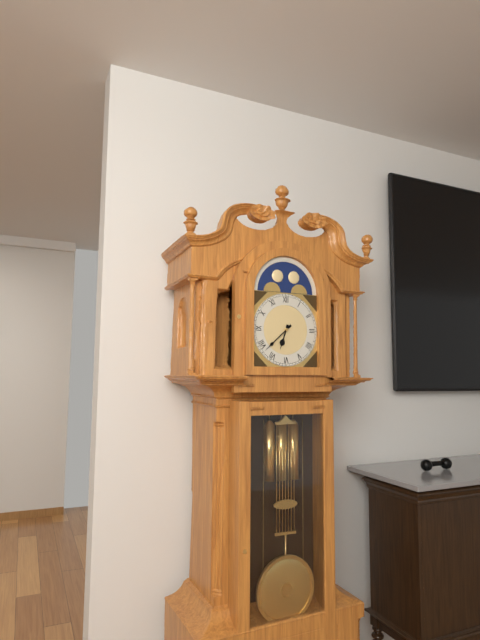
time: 6:38
